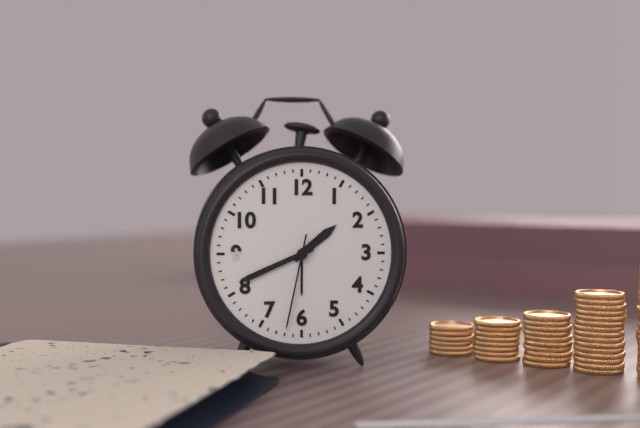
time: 1:41:32
